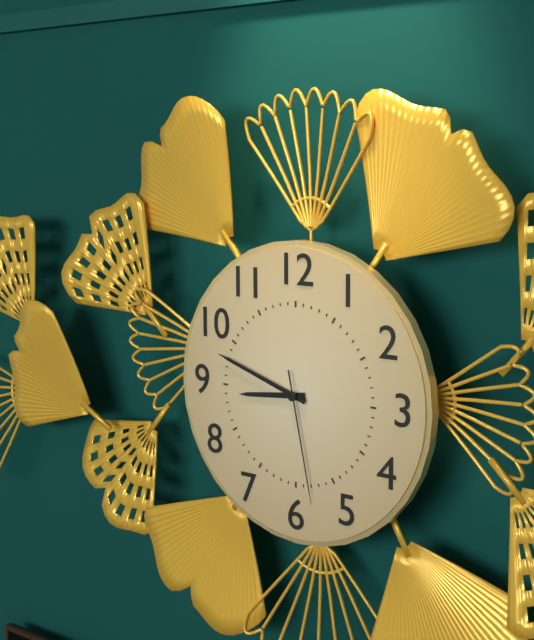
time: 8:48:28
